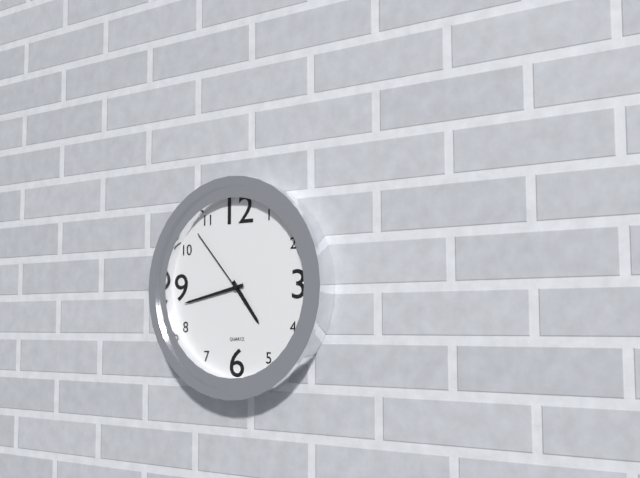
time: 4:43:53
